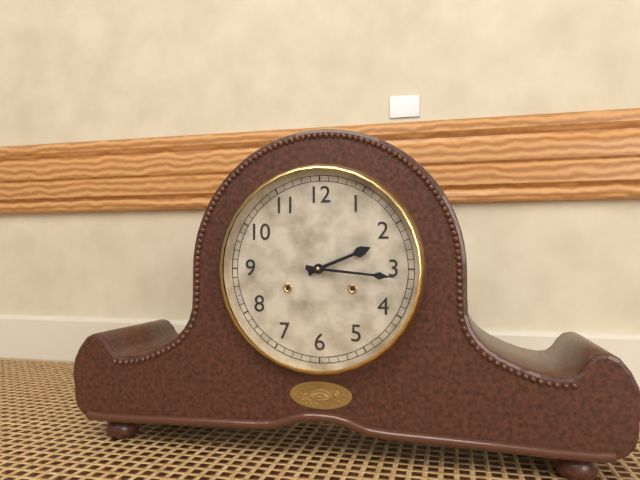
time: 2:16
